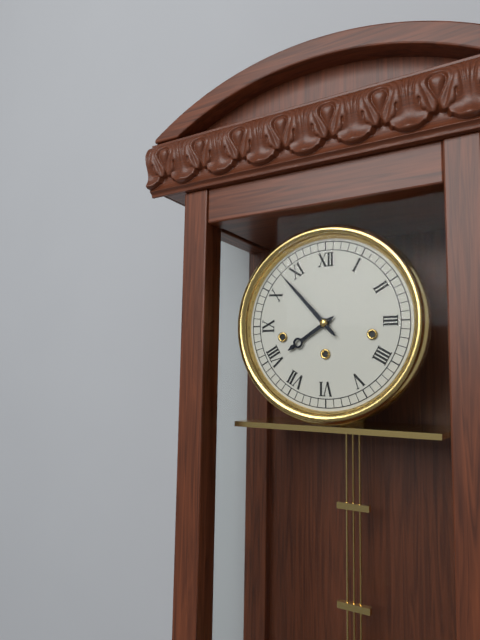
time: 7:53
